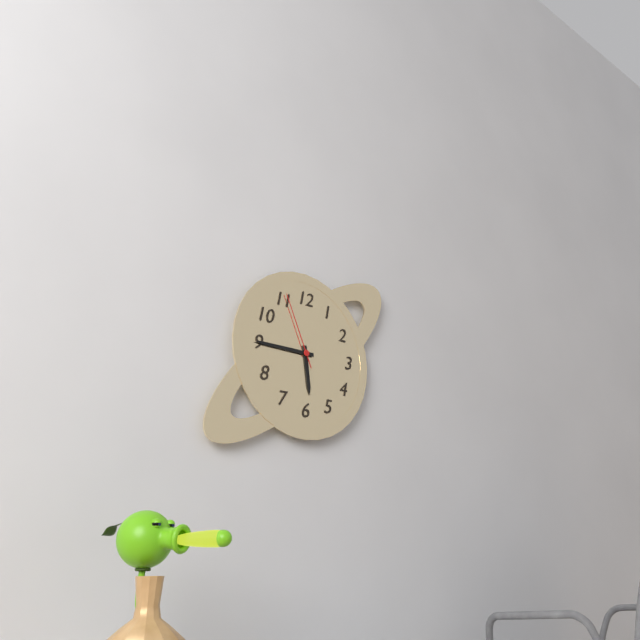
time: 5:45:56
